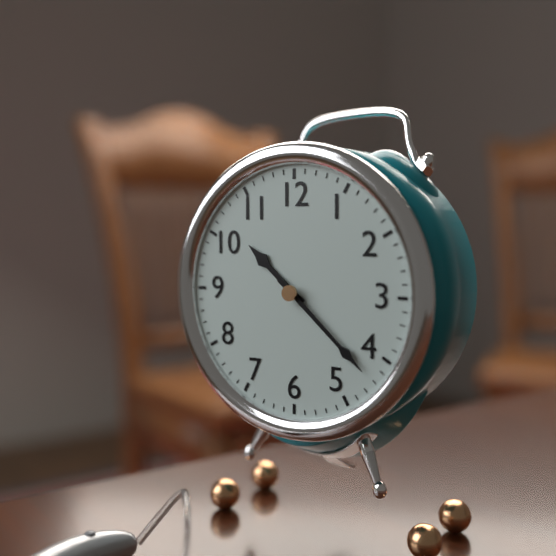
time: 10:22
